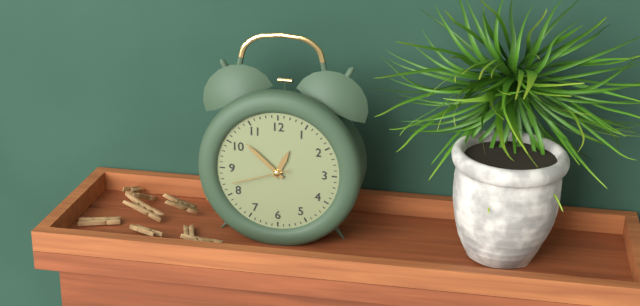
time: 12:52:42
